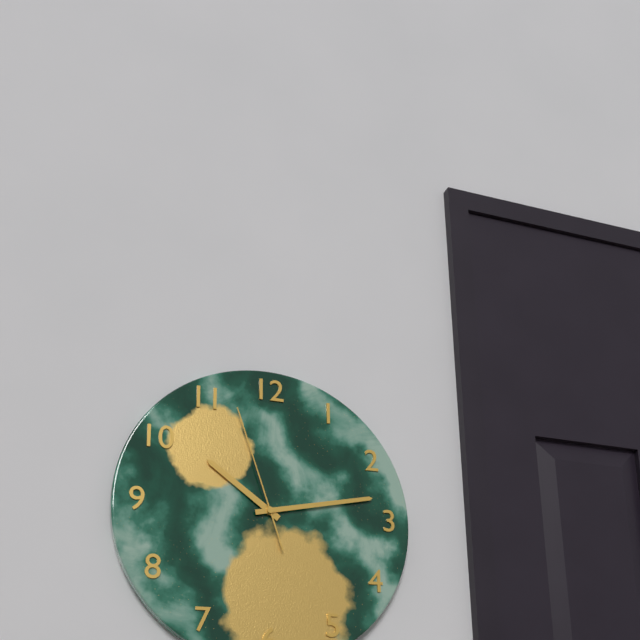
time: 10:13:57
